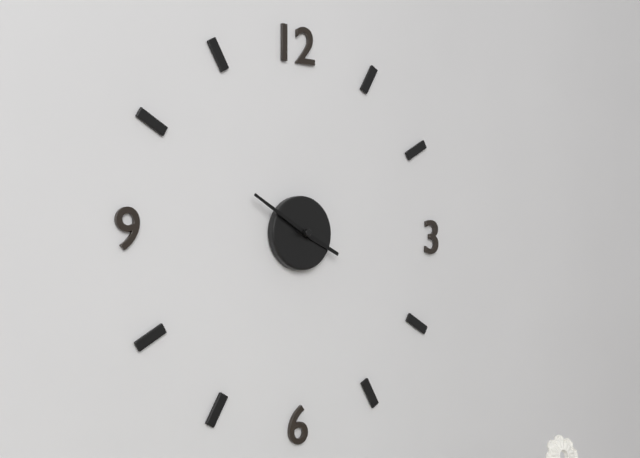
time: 3:50
